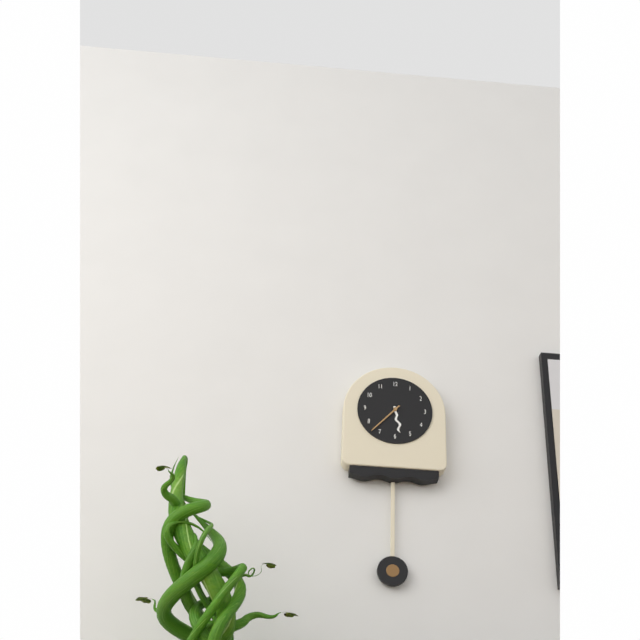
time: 5:37
